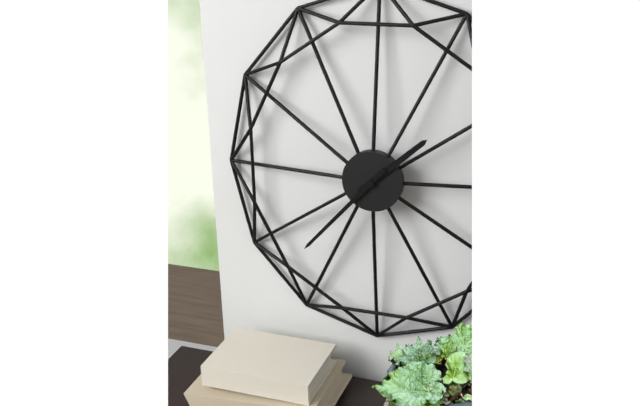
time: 1:37
